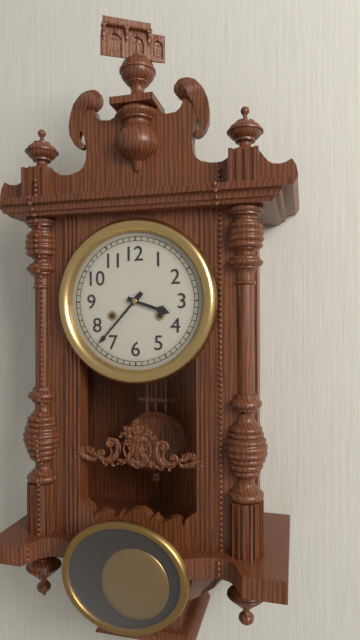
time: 3:37
